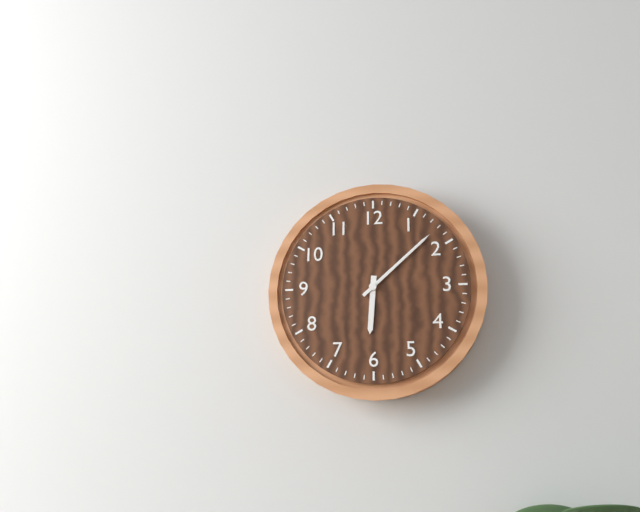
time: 6:08
